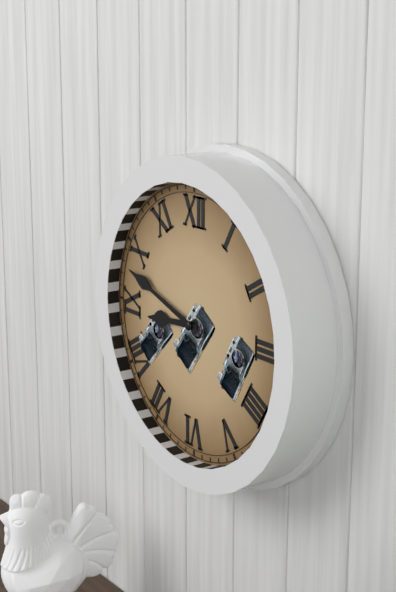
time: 8:48
